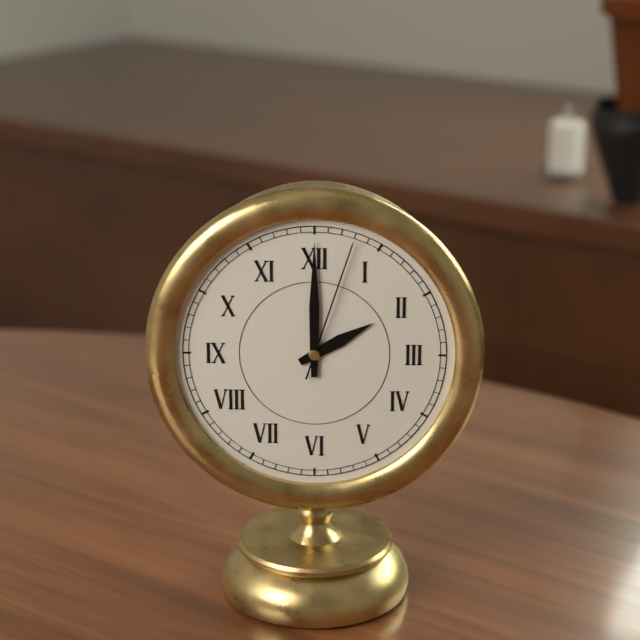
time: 2:00:03
